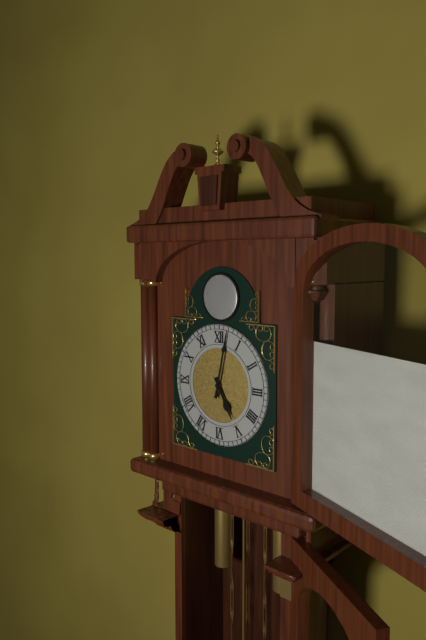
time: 5:02
